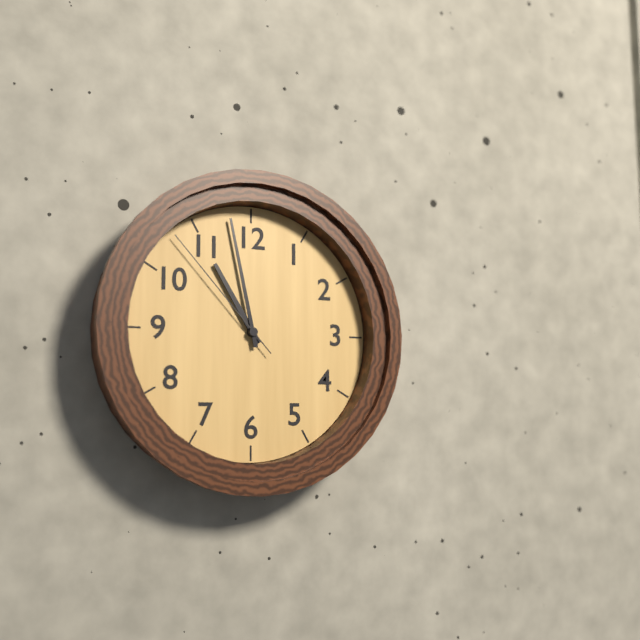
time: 10:58:53
